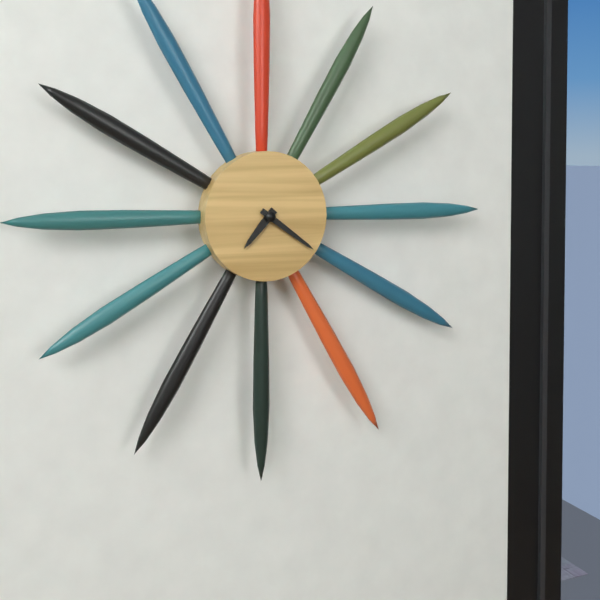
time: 7:21
